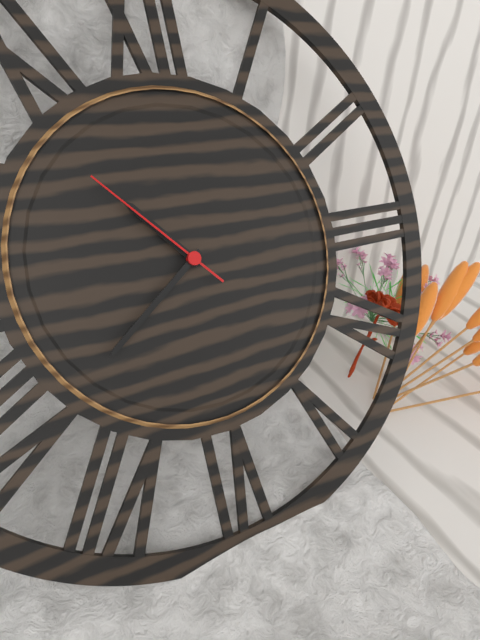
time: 10:39:53
